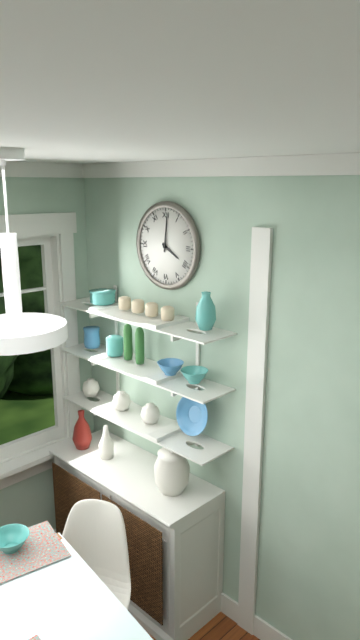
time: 4:01
